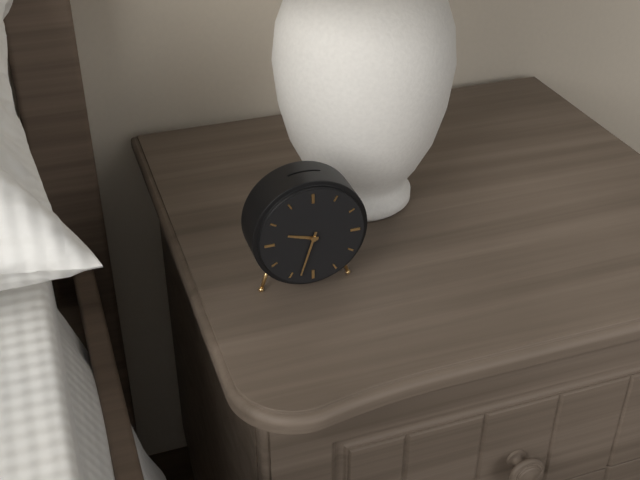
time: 9:33
